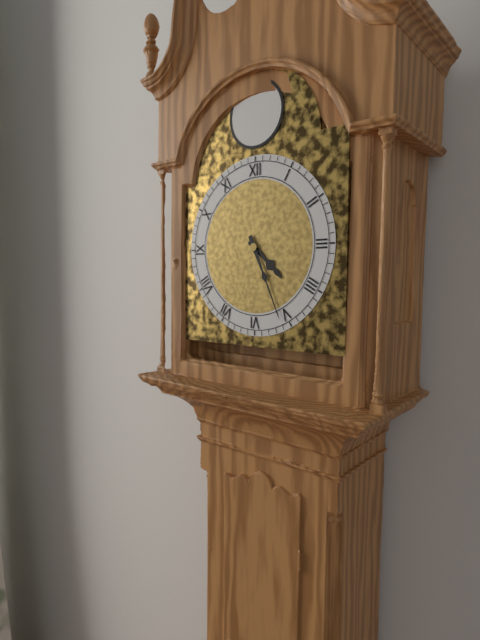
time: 4:26
